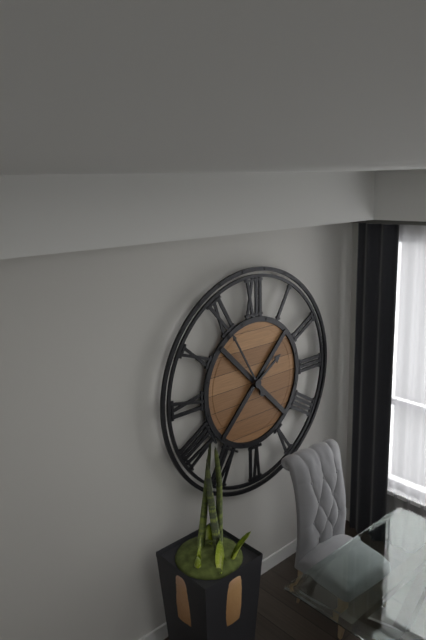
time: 1:55
